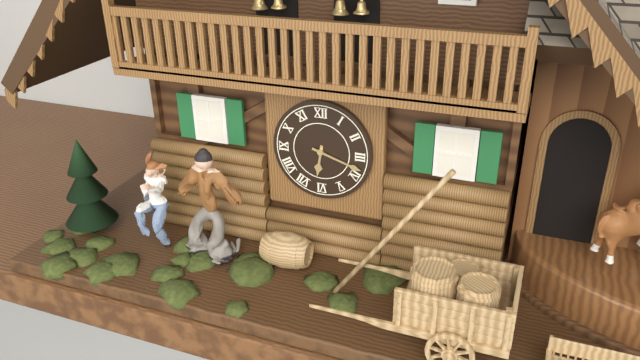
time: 6:18
